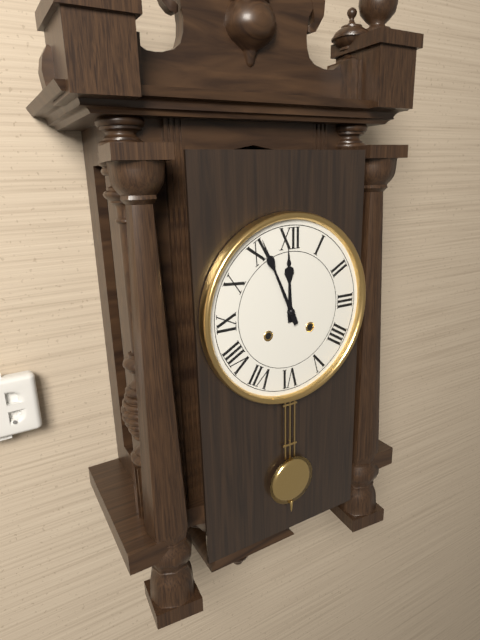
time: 11:56
